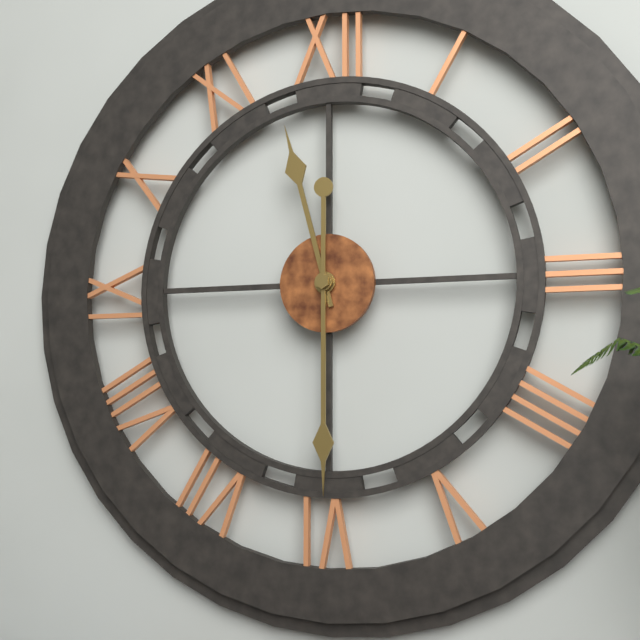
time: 11:30
